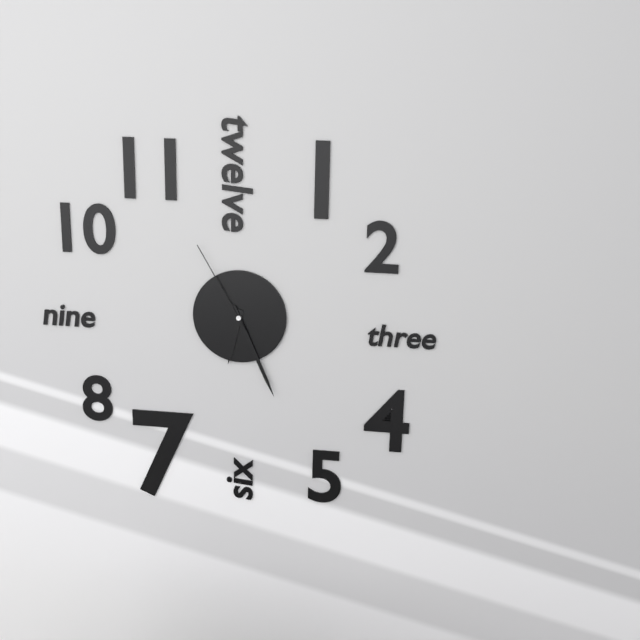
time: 6:26:55
